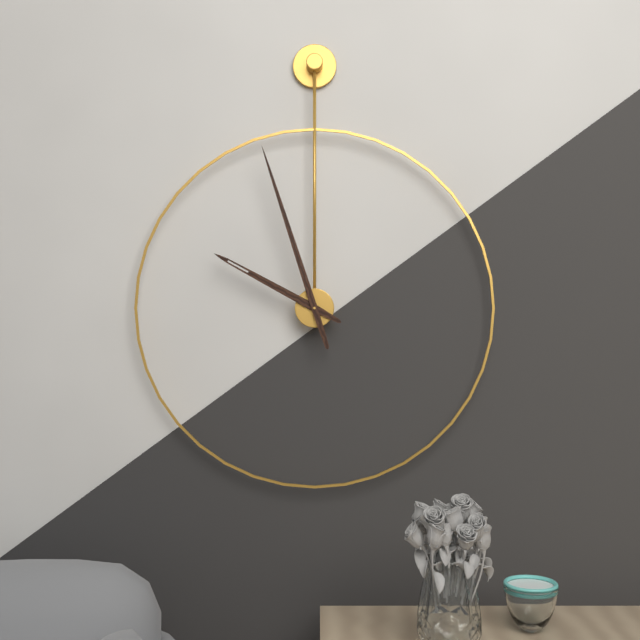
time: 9:57
